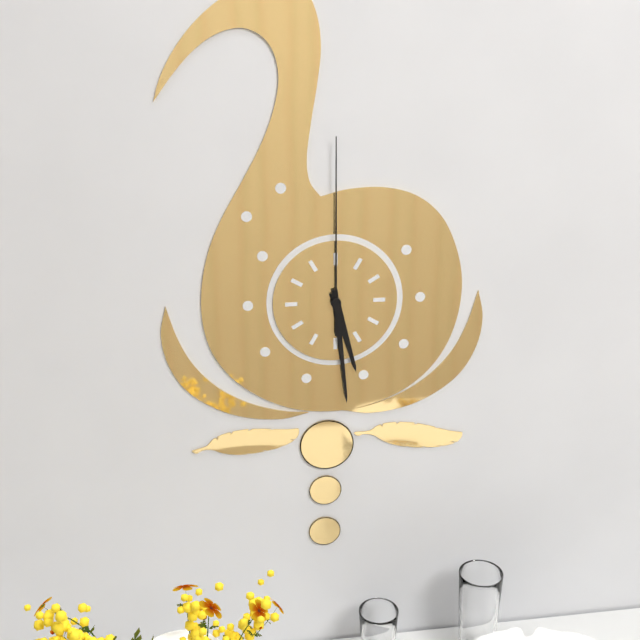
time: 5:29:00
